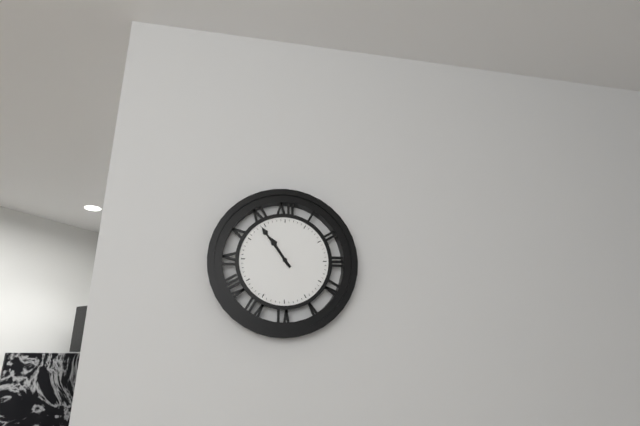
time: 10:54
